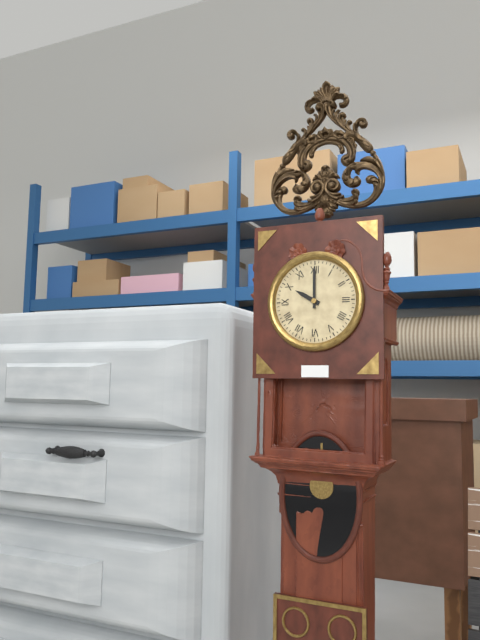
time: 10:00
